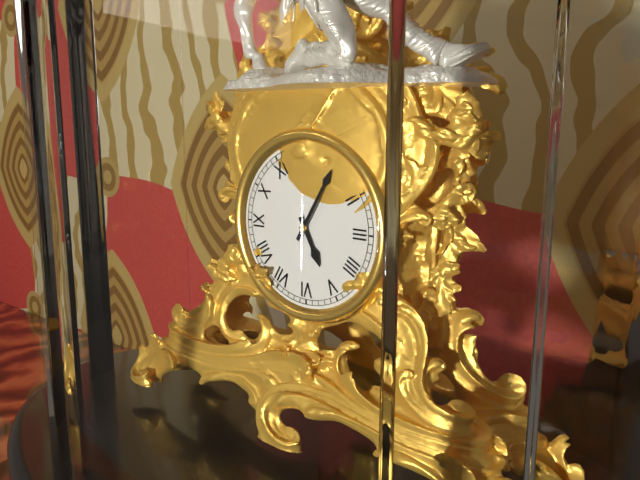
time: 5:05
